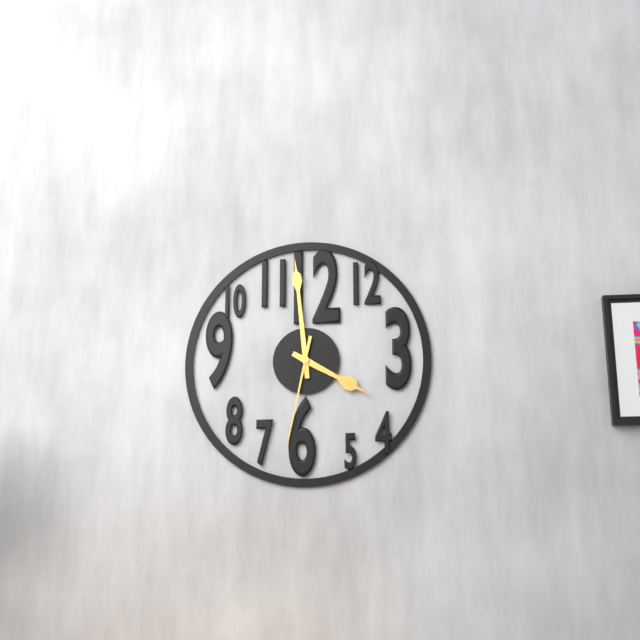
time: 3:59:32
